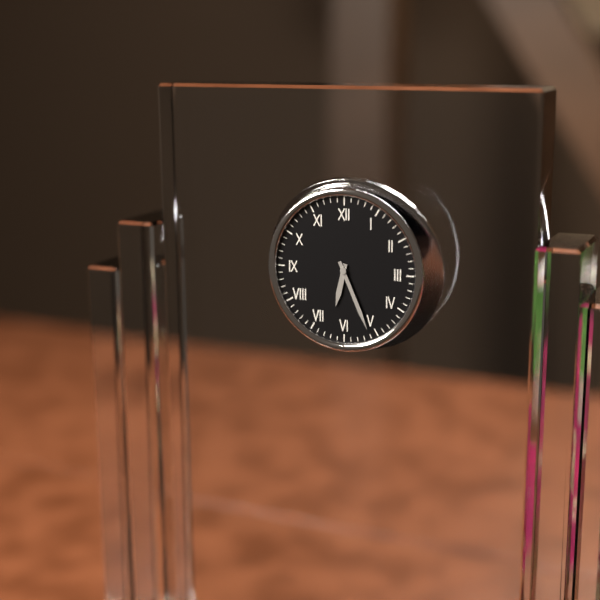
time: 6:26
